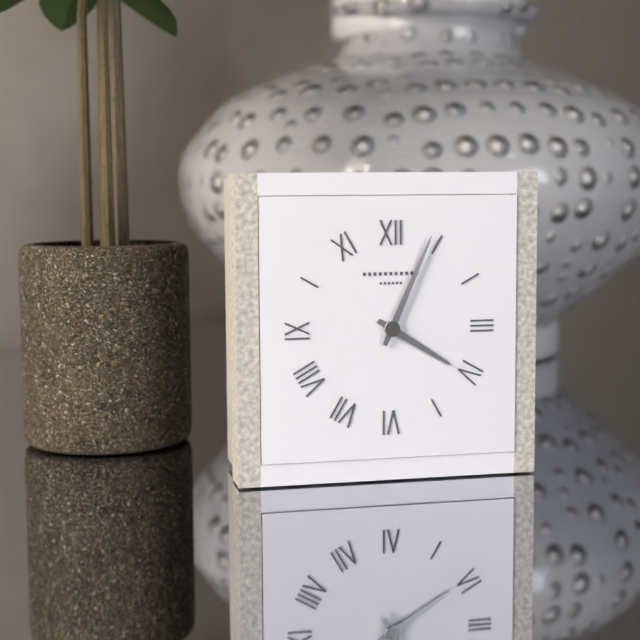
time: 4:04
